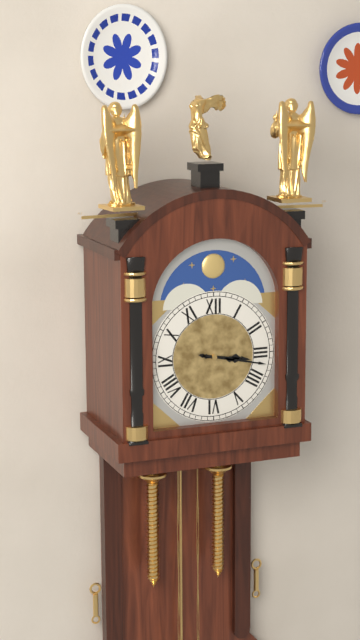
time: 3:17
